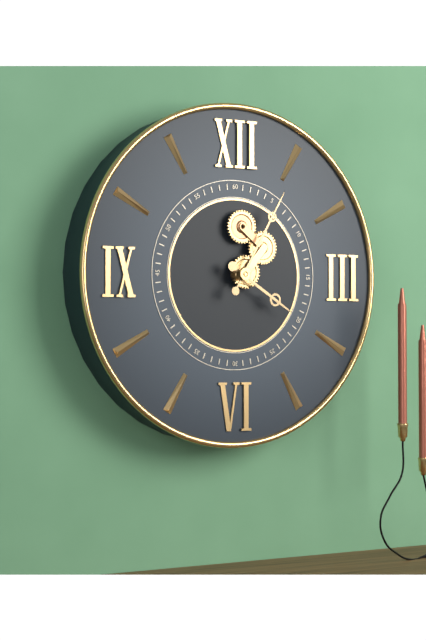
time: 4:05
